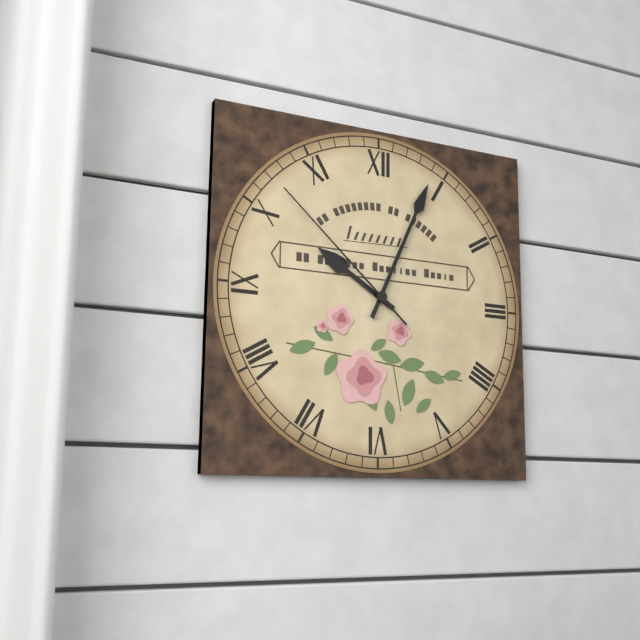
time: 10:04:52
